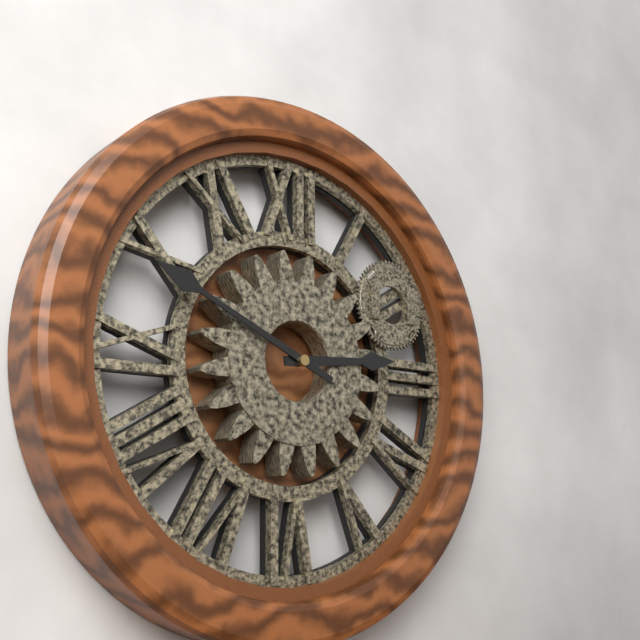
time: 2:49
